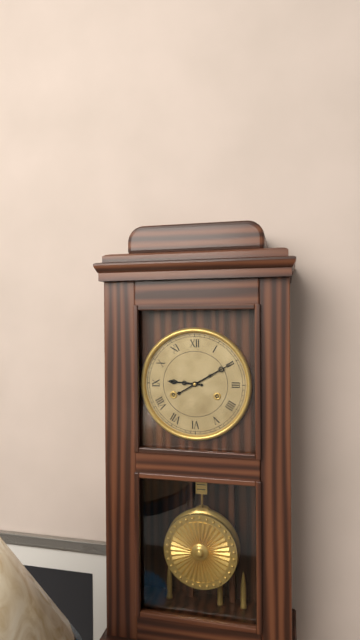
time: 9:10
